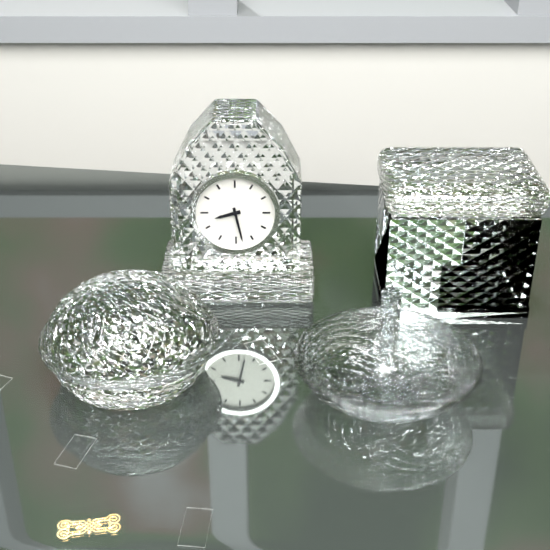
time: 8:28
